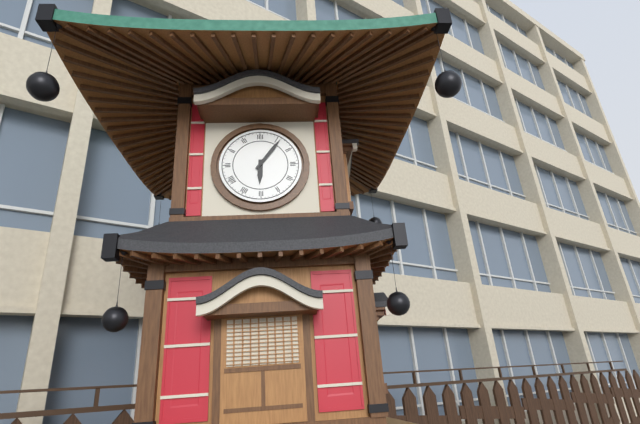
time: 6:06
